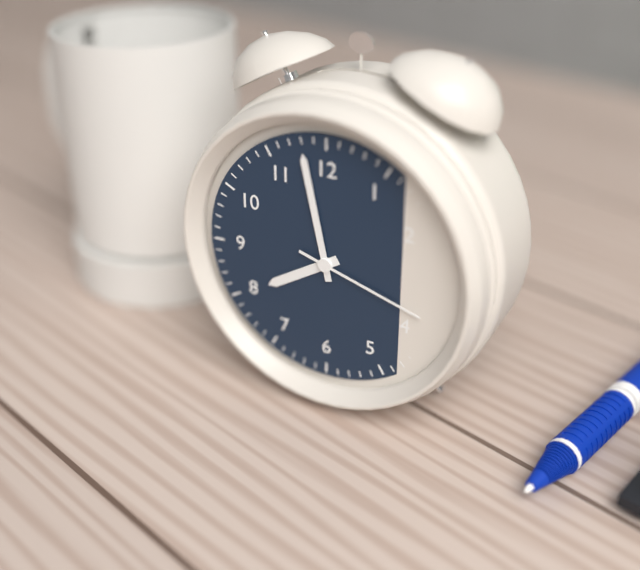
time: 7:58:18
